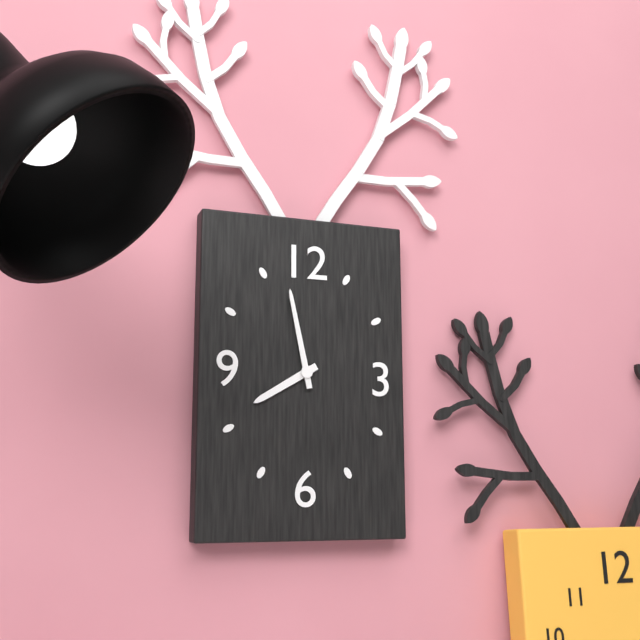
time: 7:58
